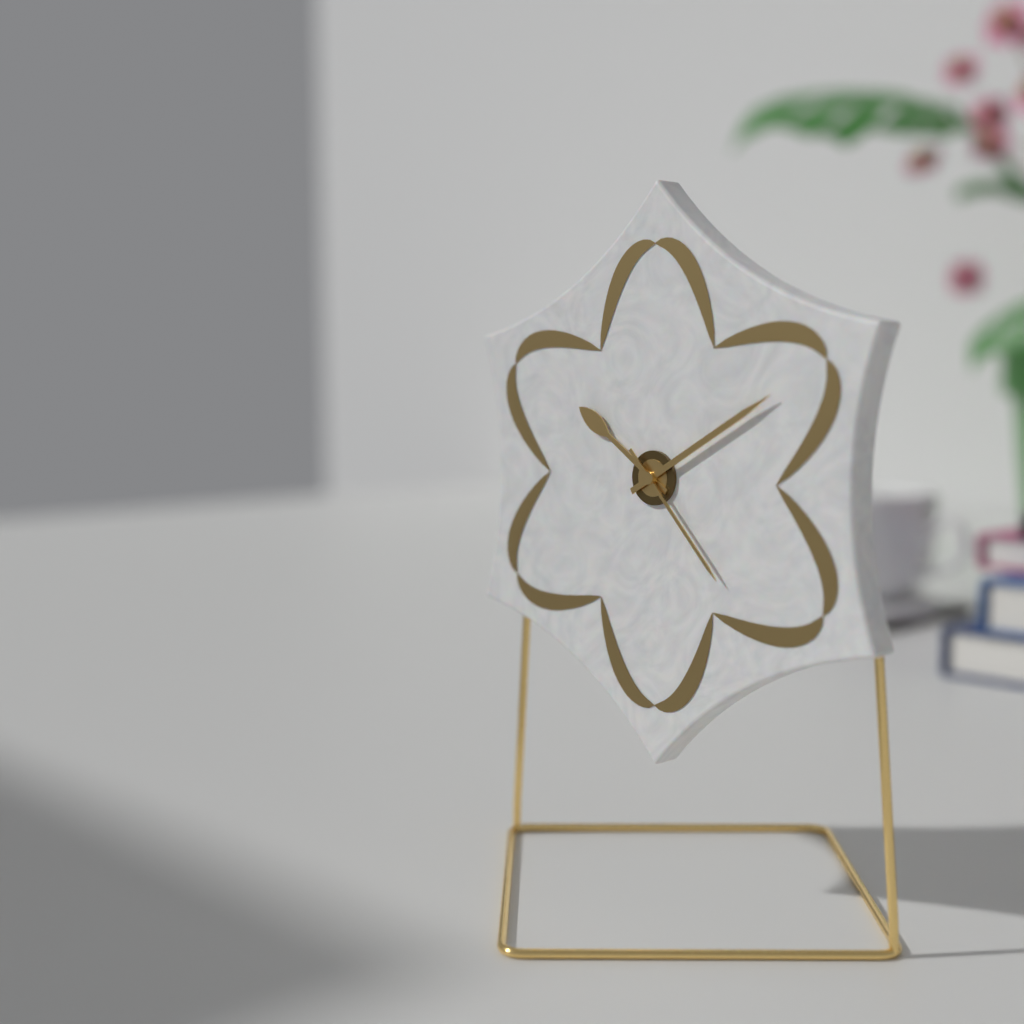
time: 10:10:23
